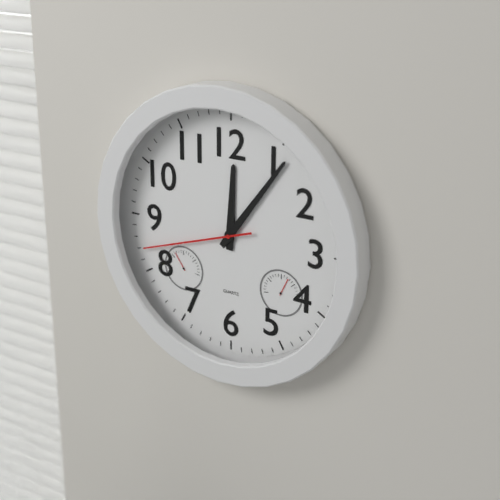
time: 12:06:42
